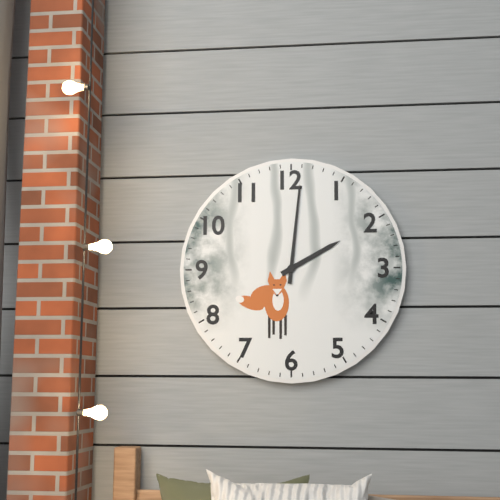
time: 2:01
